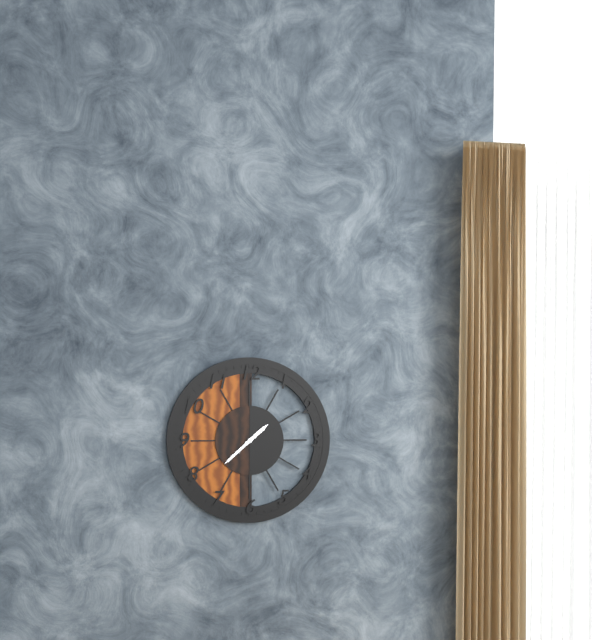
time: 1:38
